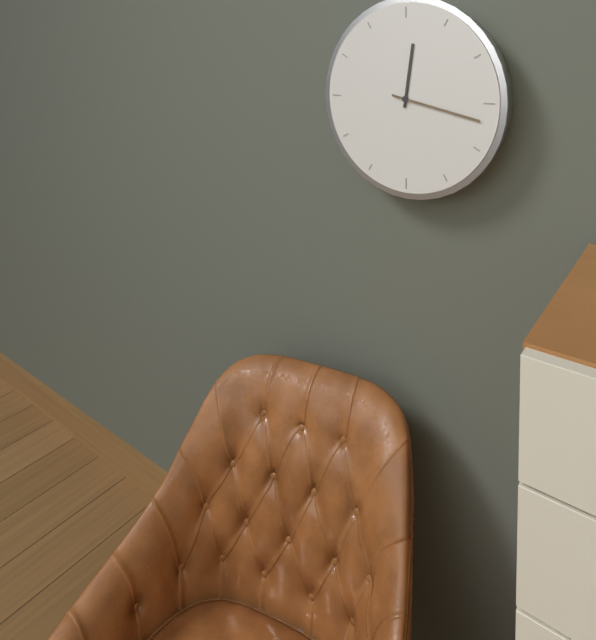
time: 12:17
